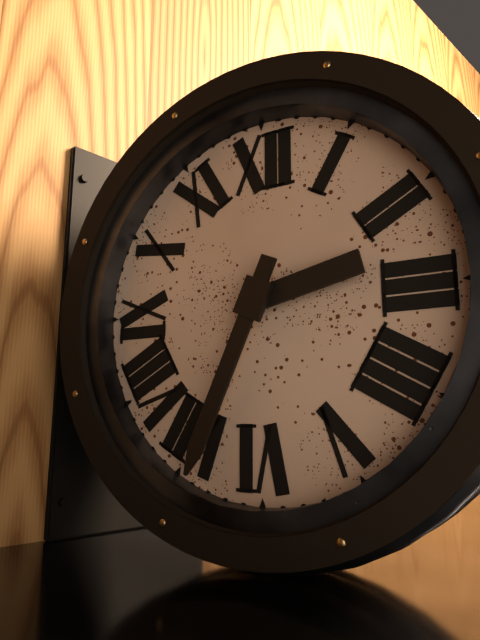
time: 2:34
